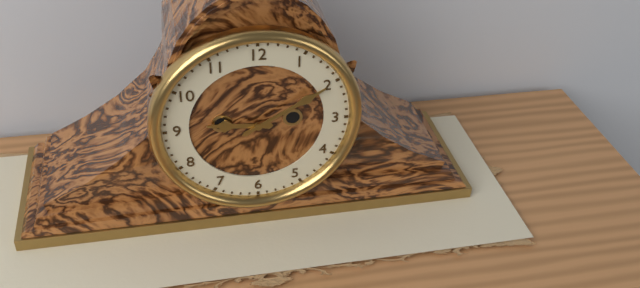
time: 9:10
